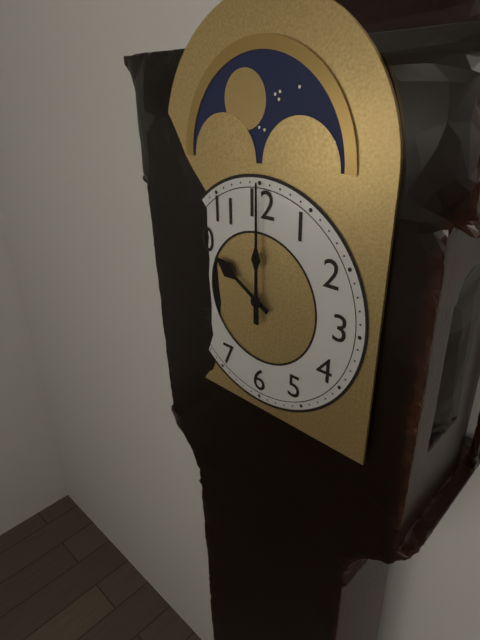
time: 10:00
